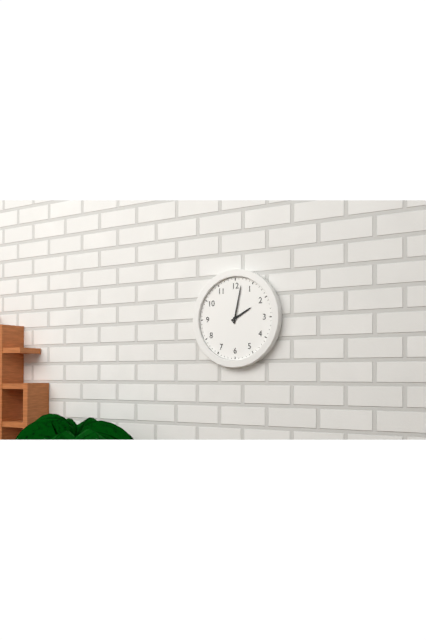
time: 2:02
